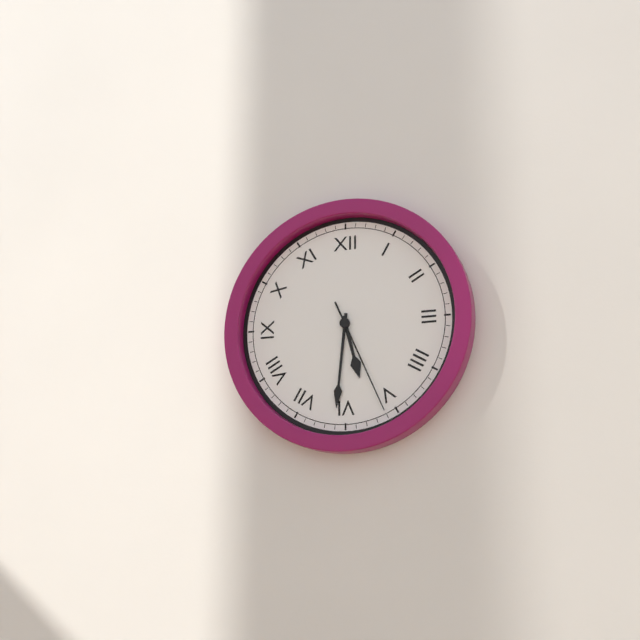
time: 5:31:26
